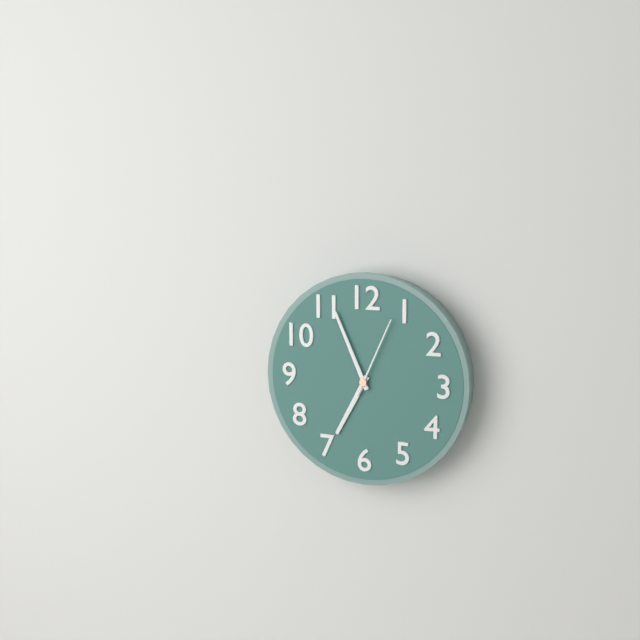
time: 6:56:04
